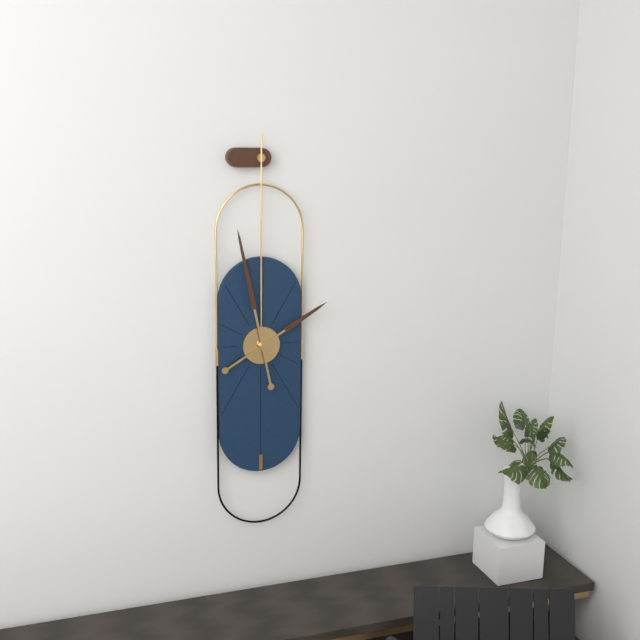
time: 1:58
